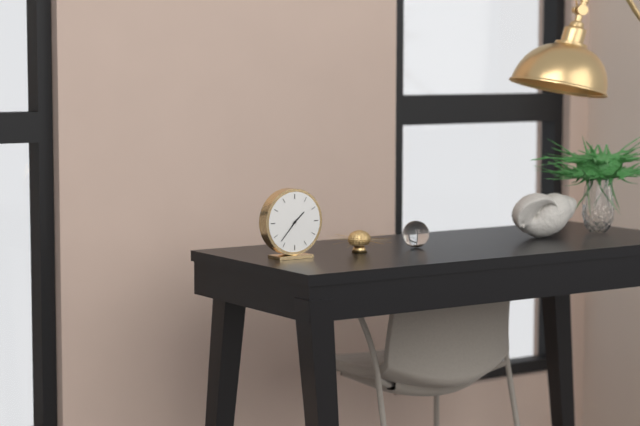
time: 1:37
